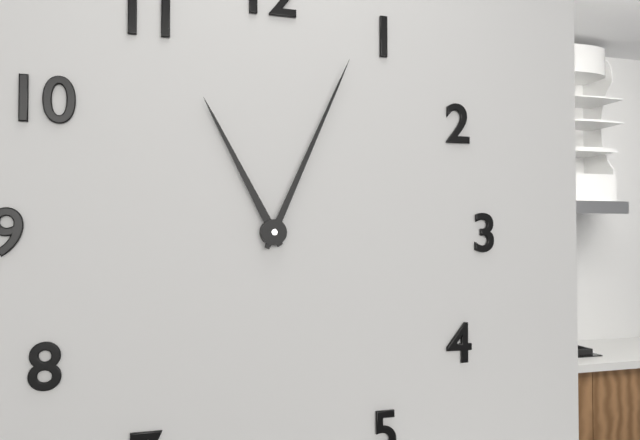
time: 11:04
